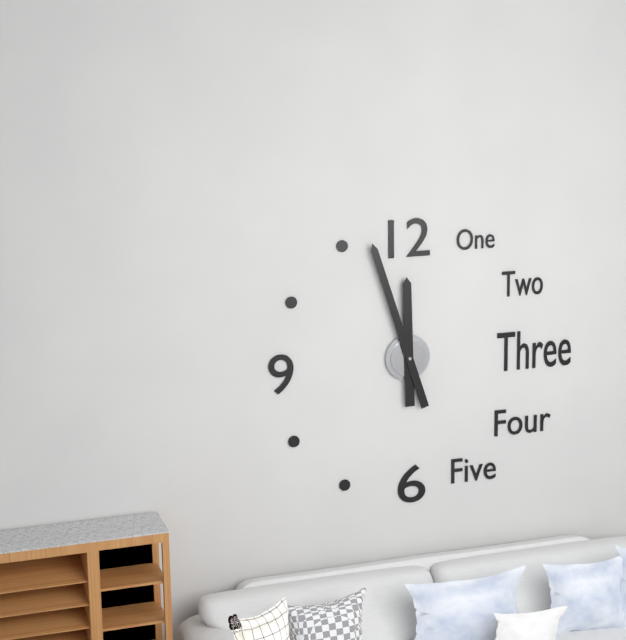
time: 11:57
